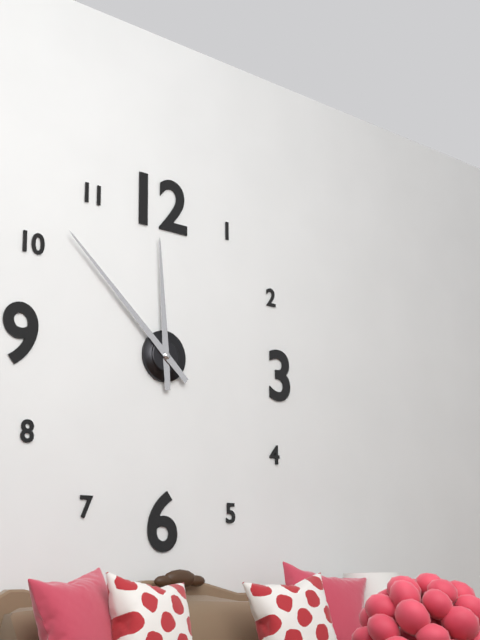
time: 11:52
